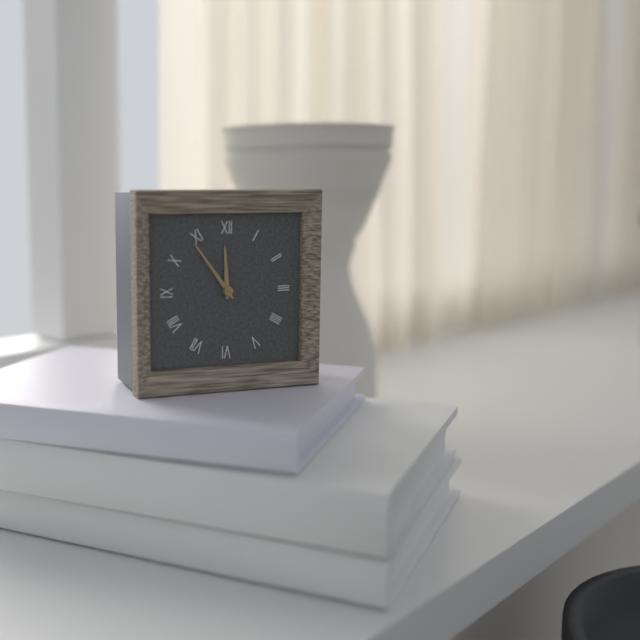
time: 11:54
